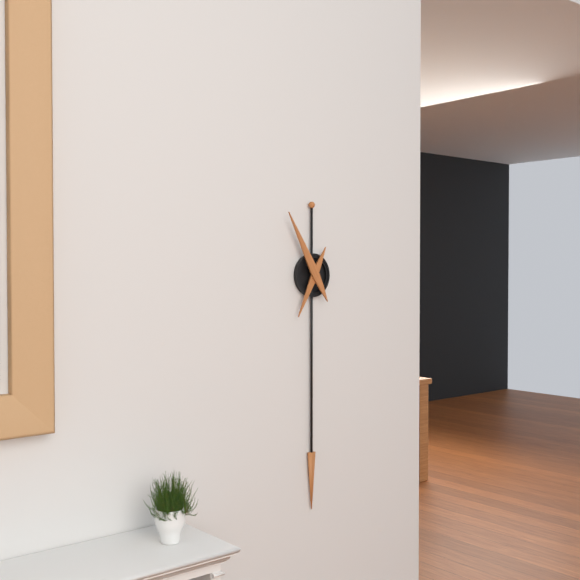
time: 6:55
